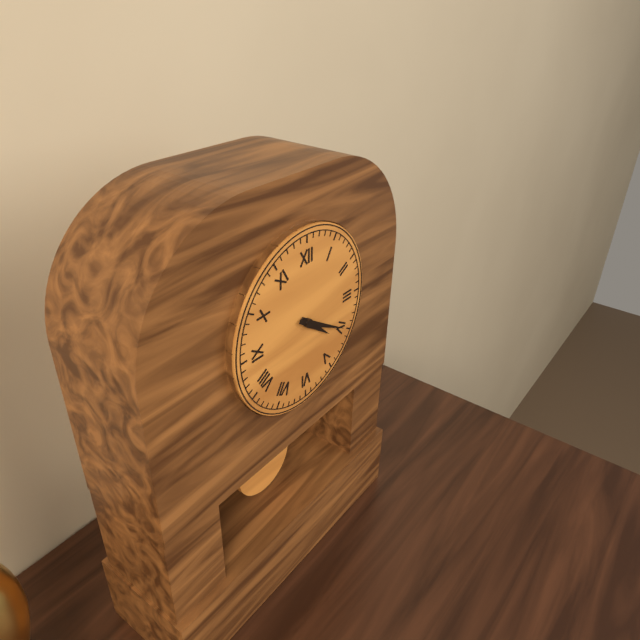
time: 4:20
